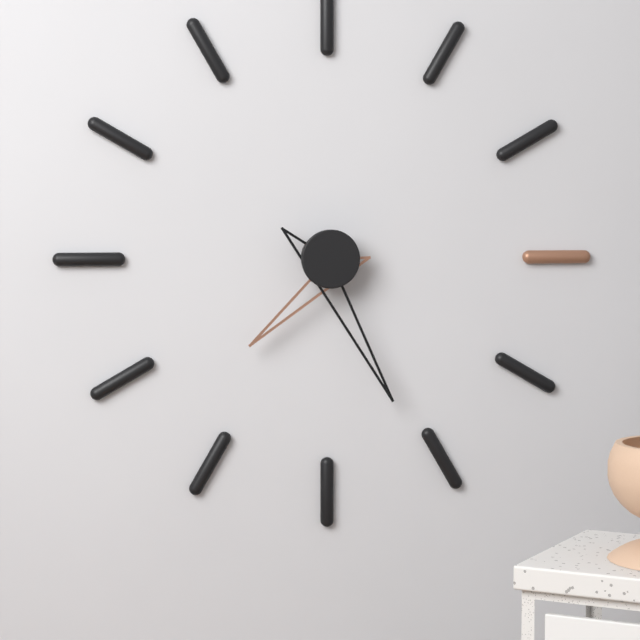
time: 7:26
